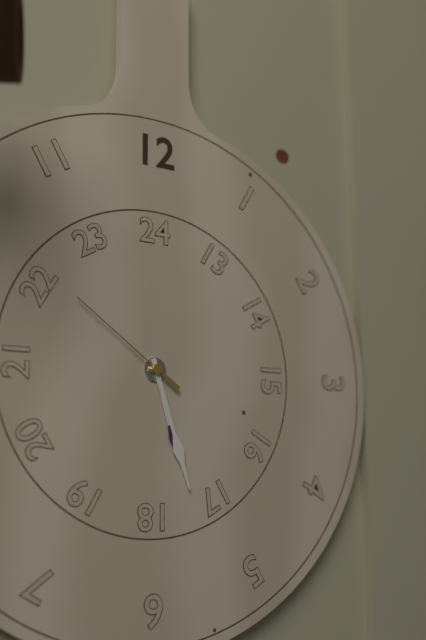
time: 5:27:51
